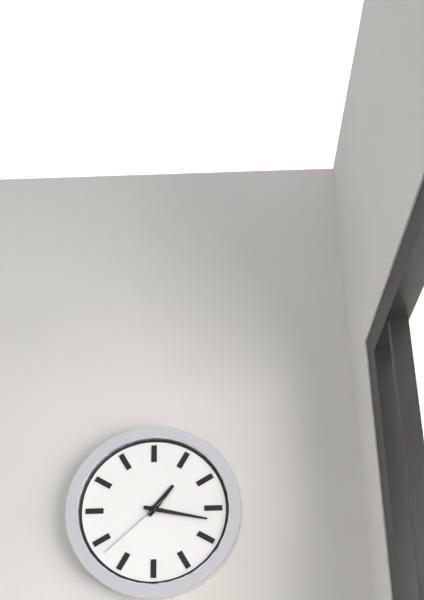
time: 1:17:38
